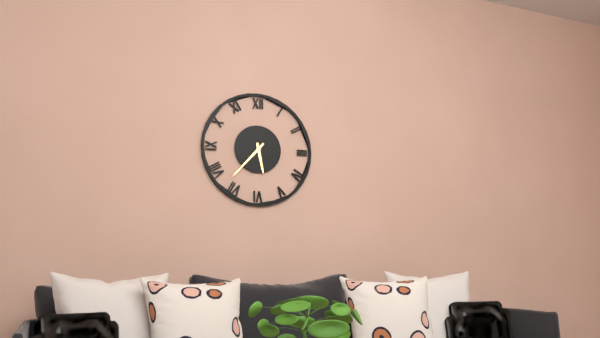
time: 5:37
